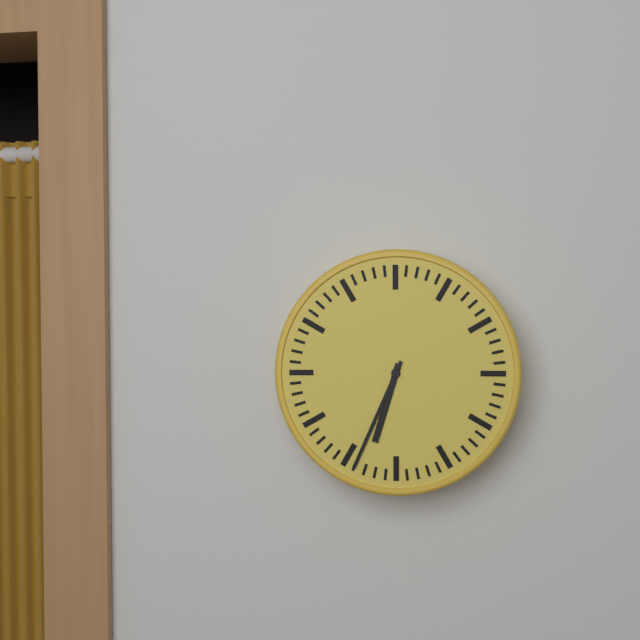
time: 6:34
